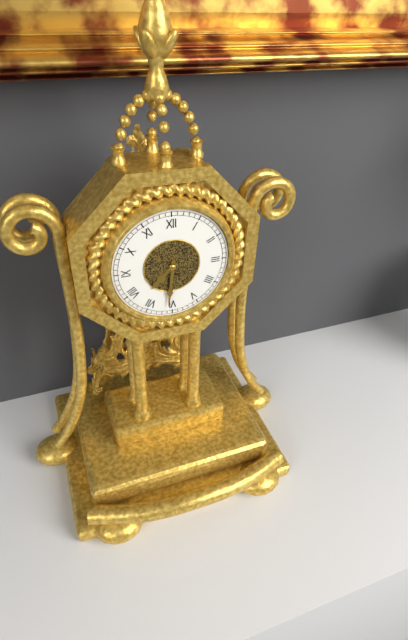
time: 7:31
